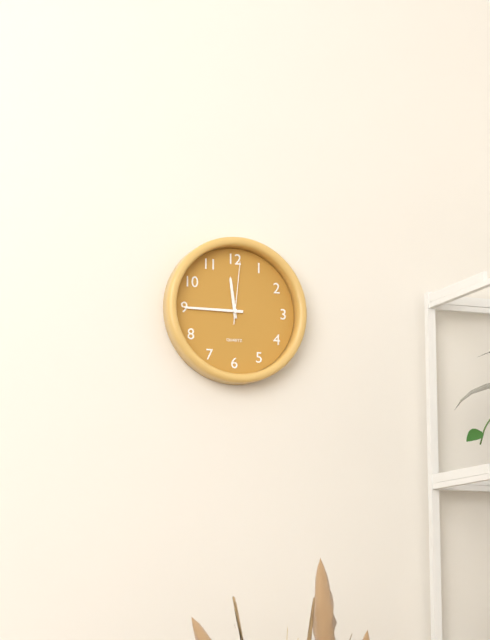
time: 11:45:01
